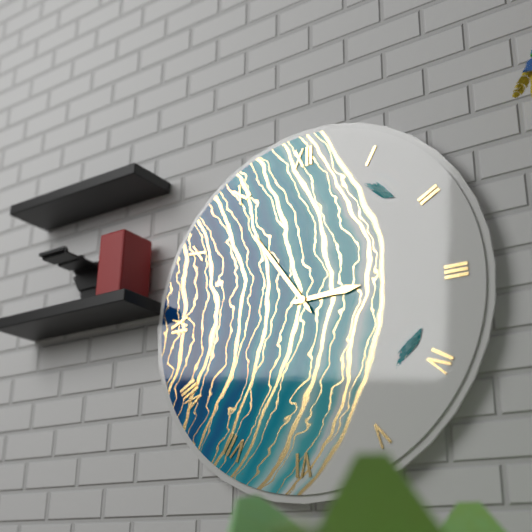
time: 2:54
